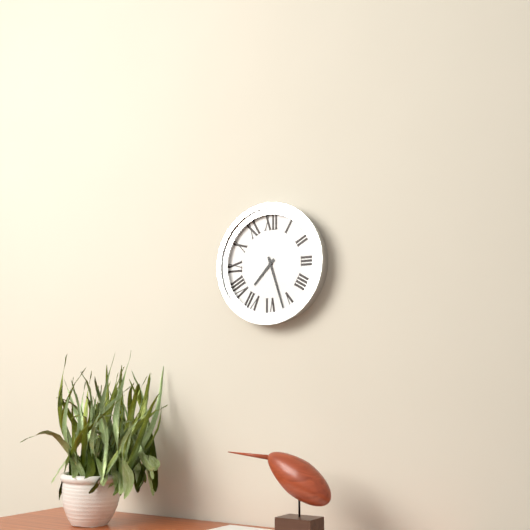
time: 7:27
